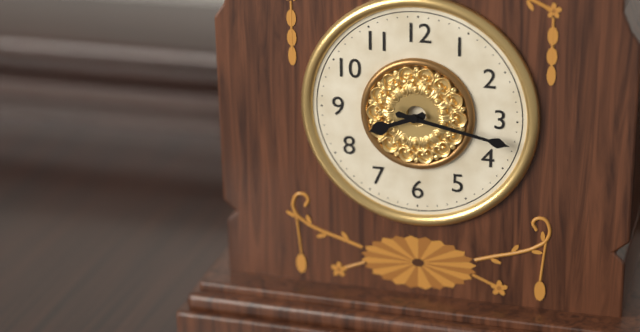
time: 8:17
